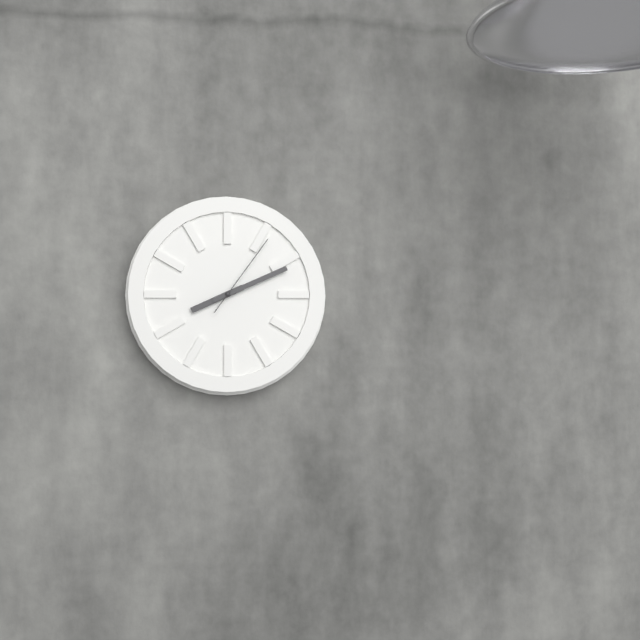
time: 8:11:06
